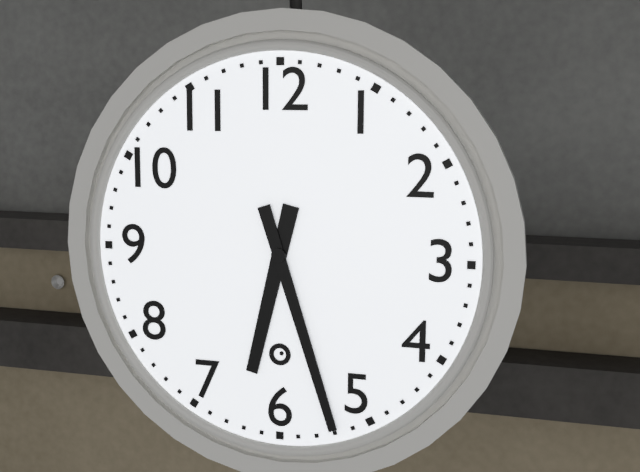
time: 6:27
